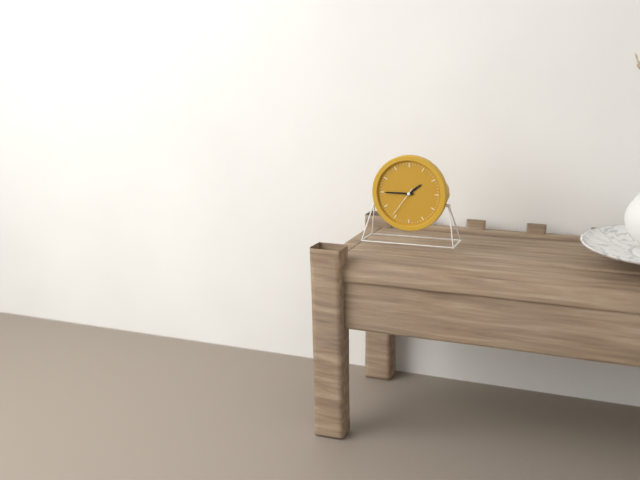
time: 1:45
